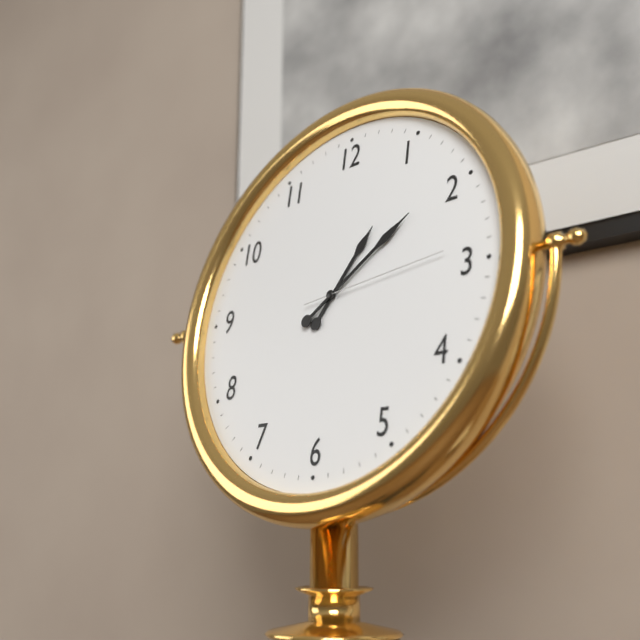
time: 1:09:14
